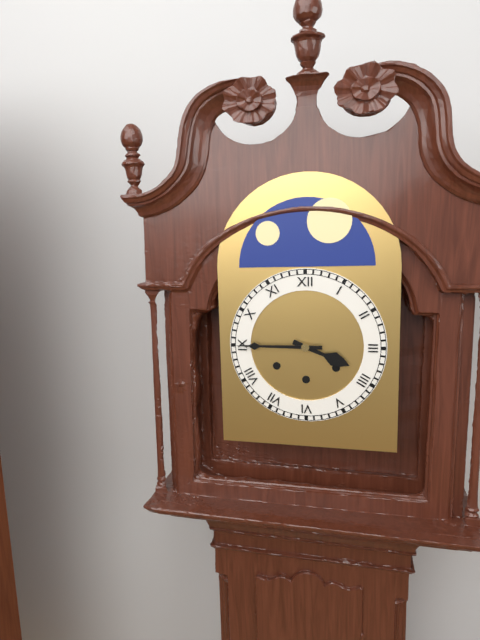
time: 3:45
